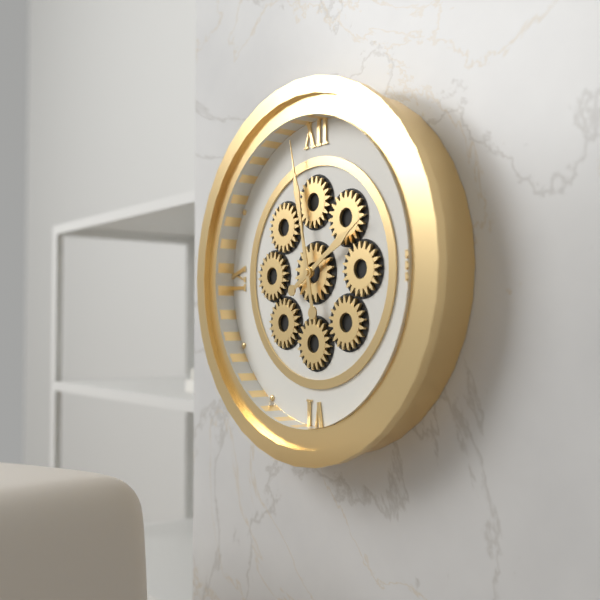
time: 1:58
